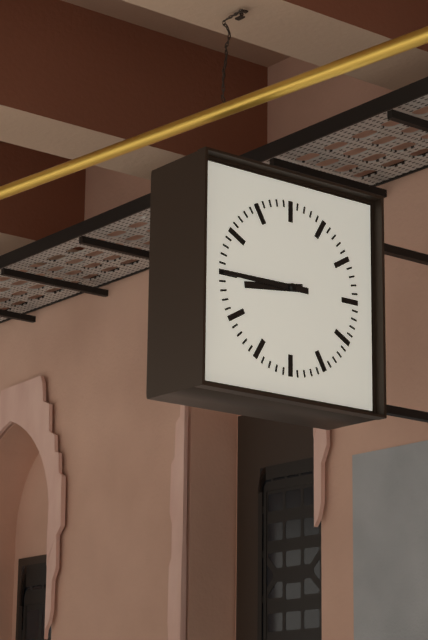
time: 8:45
